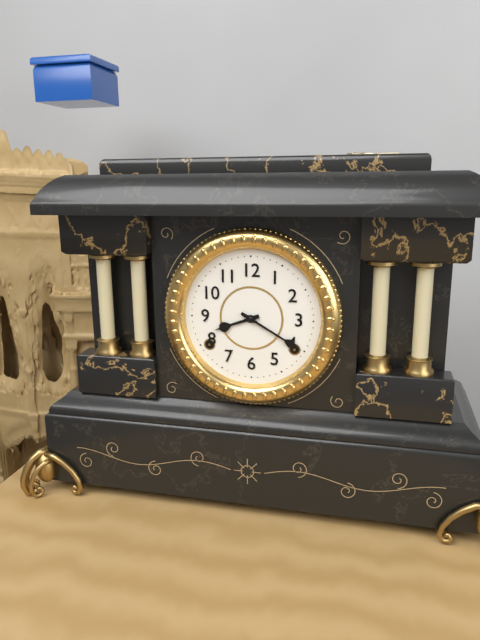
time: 8:20
